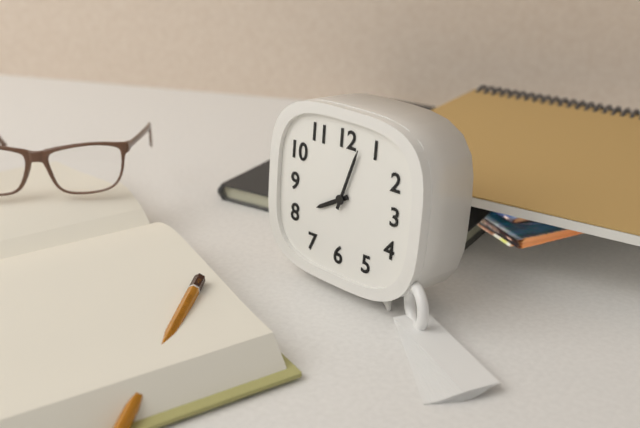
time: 8:03
